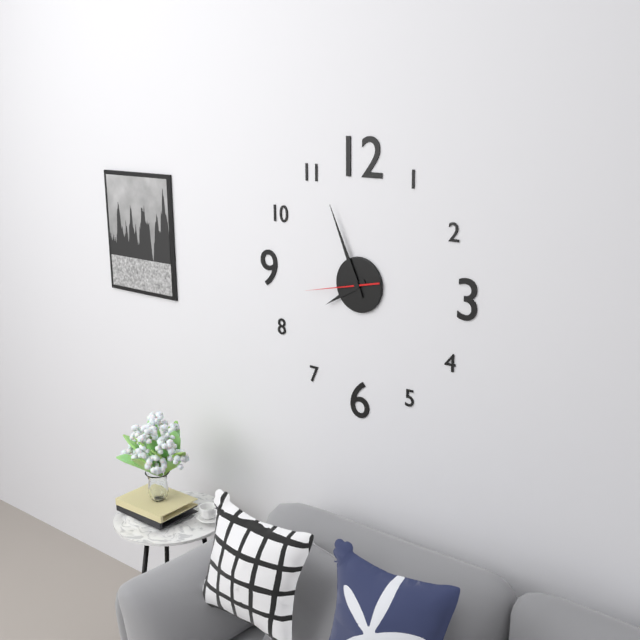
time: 7:56:43
